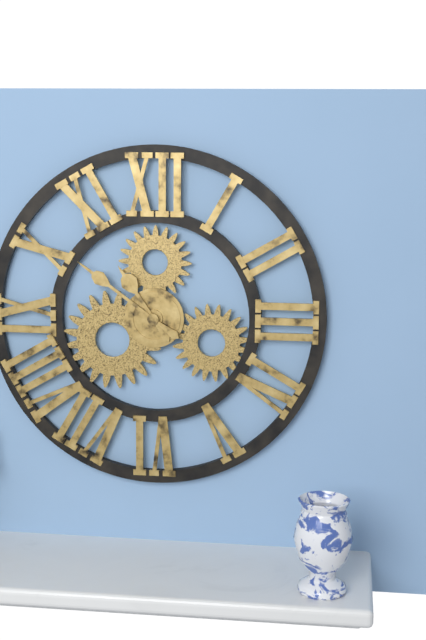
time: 10:51
